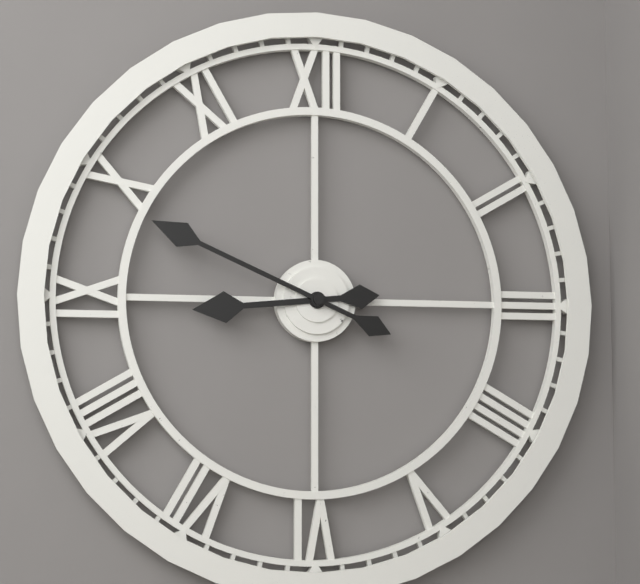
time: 8:49
